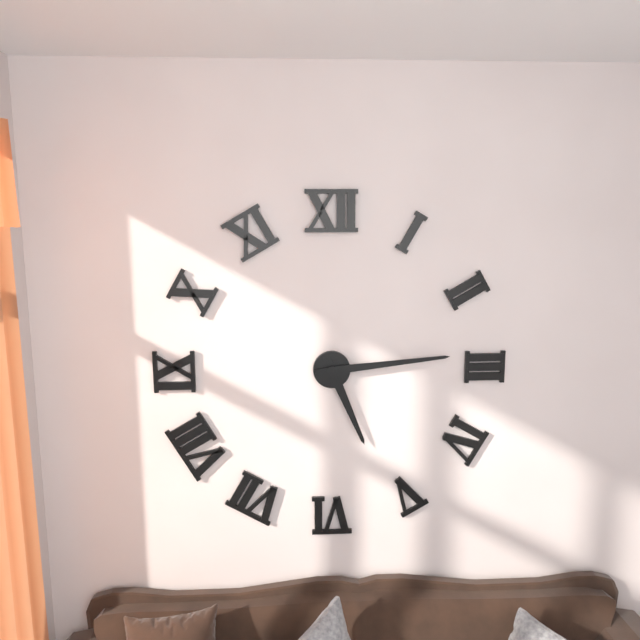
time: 5:14
